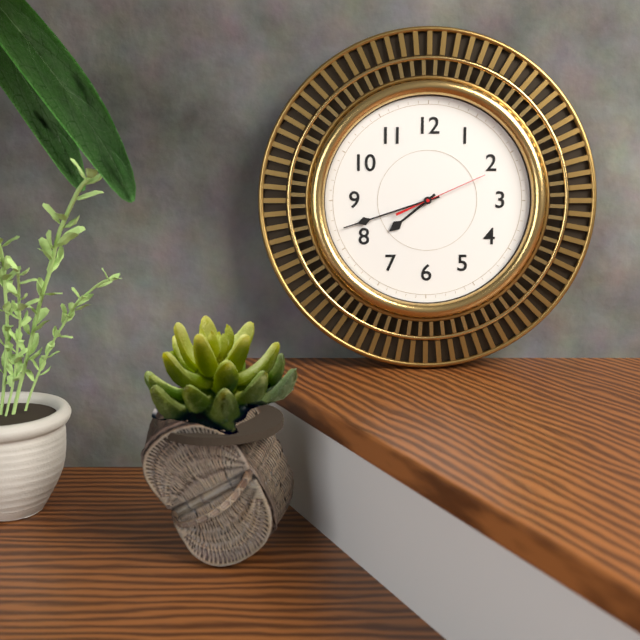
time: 7:42:11
